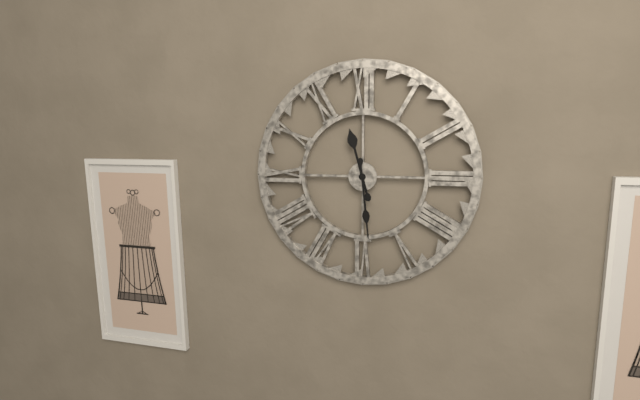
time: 11:29
